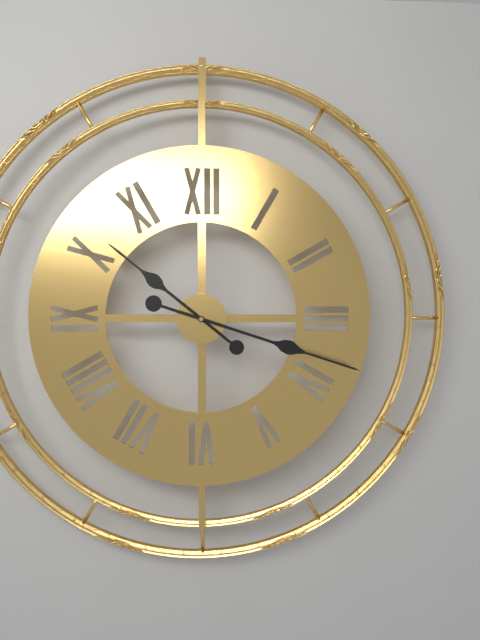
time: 10:18
